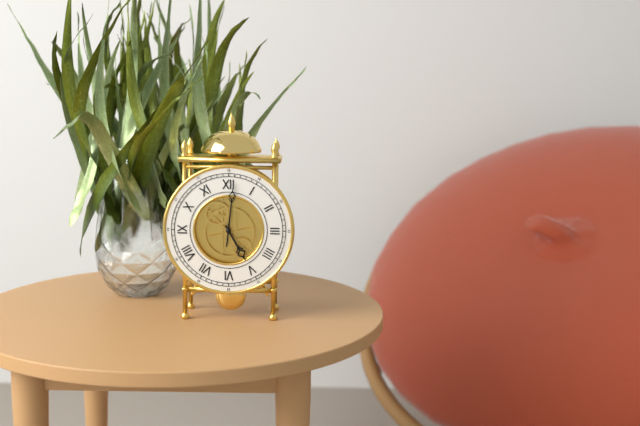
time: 5:01
